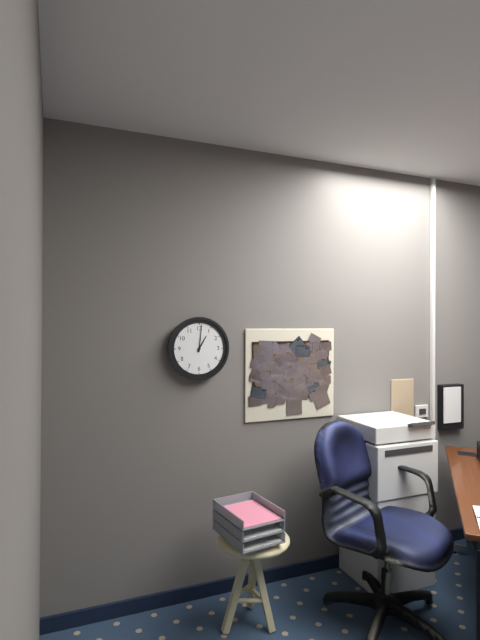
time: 1:01
